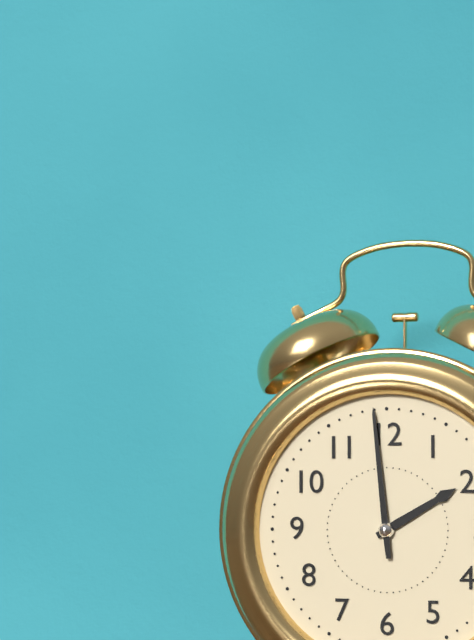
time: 1:59
